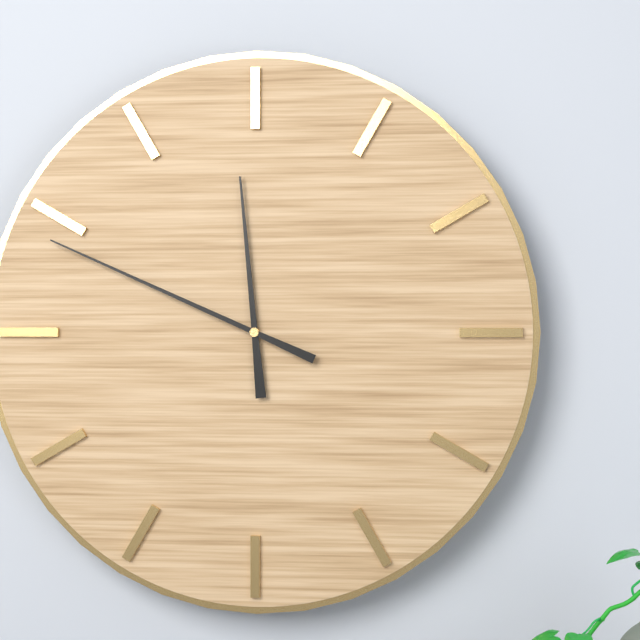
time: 11:49
